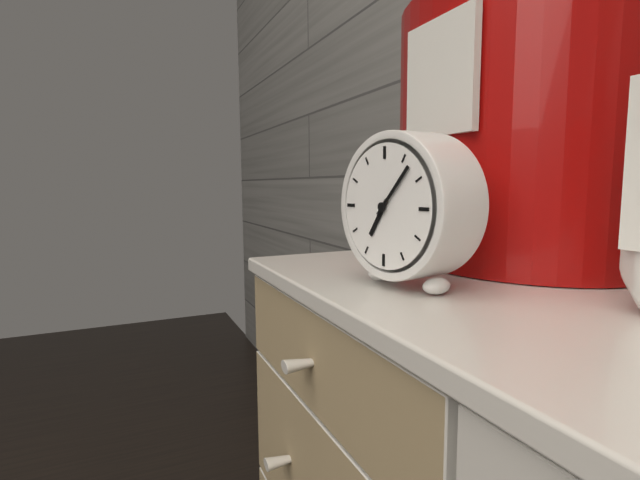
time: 7:07
